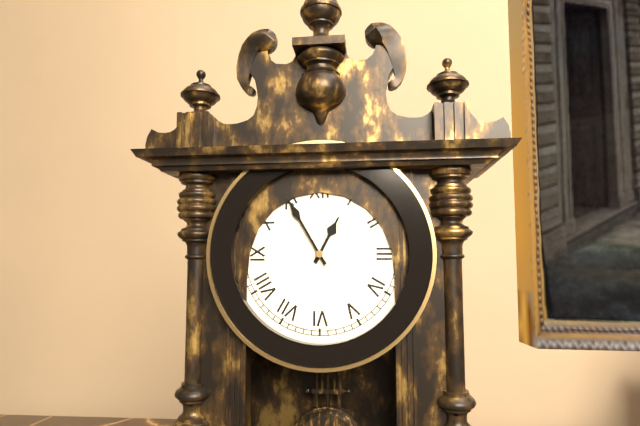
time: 12:55
